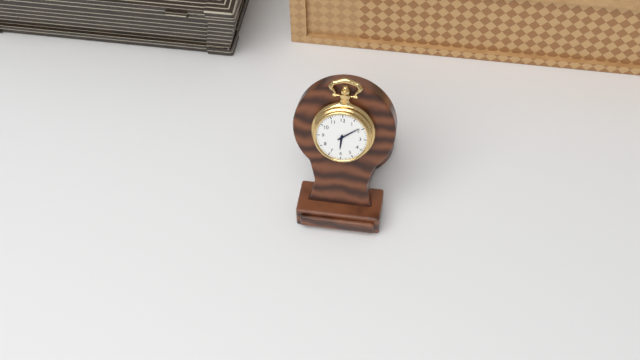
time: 6:09
